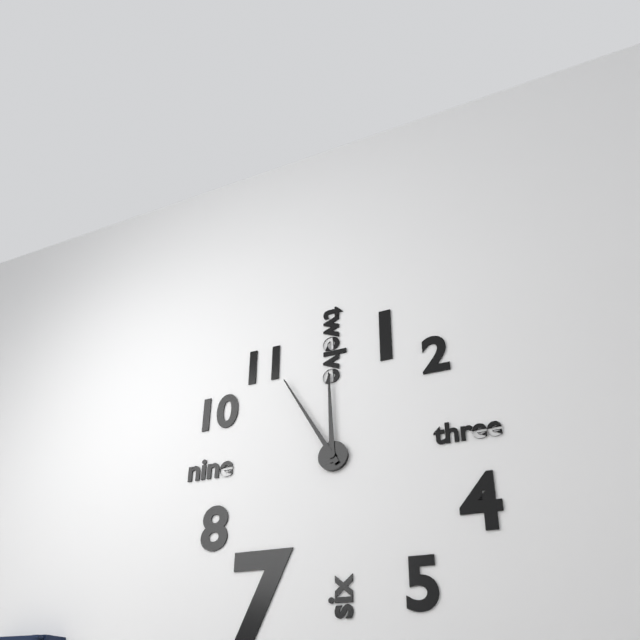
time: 11:55
